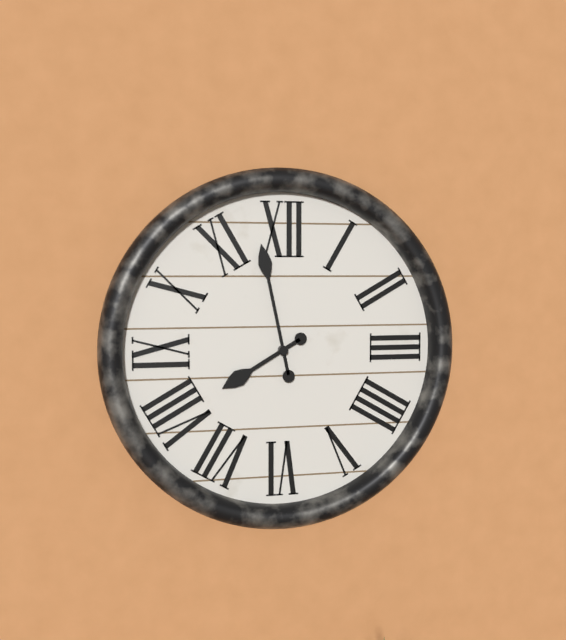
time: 7:58
